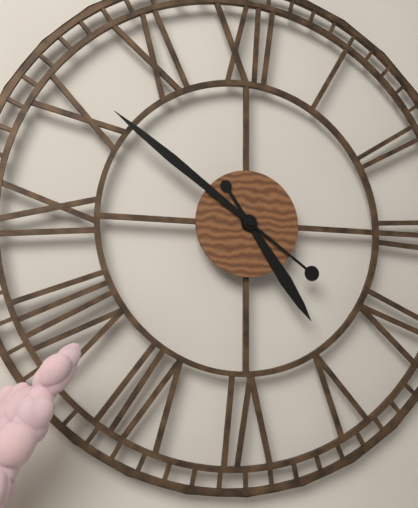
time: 4:51
